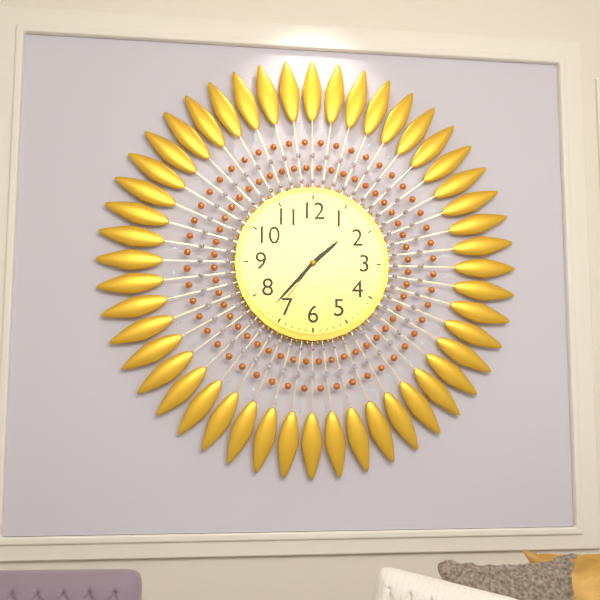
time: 1:37:36
